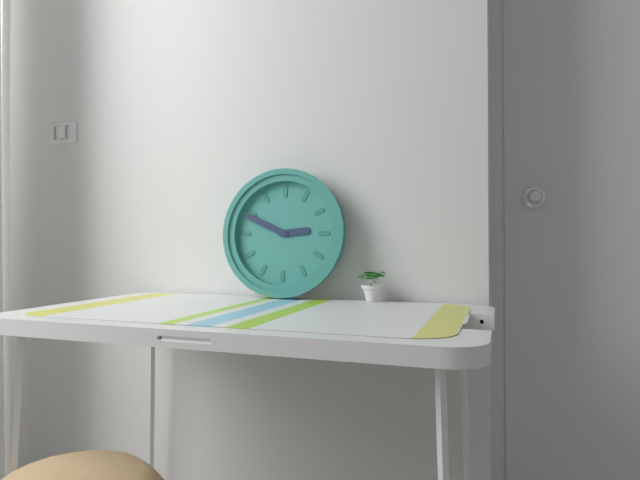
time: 2:49
